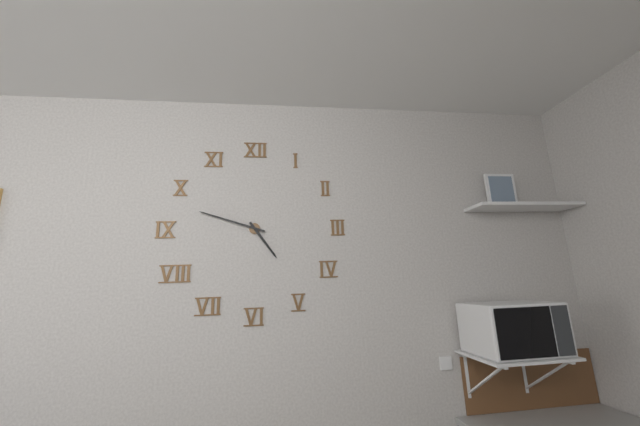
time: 4:48
